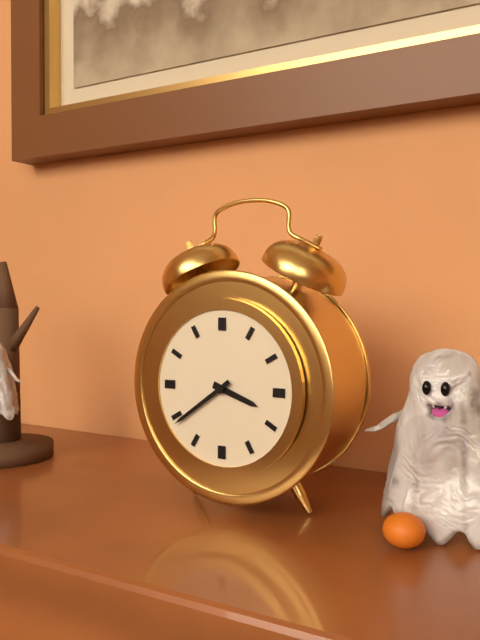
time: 3:39
